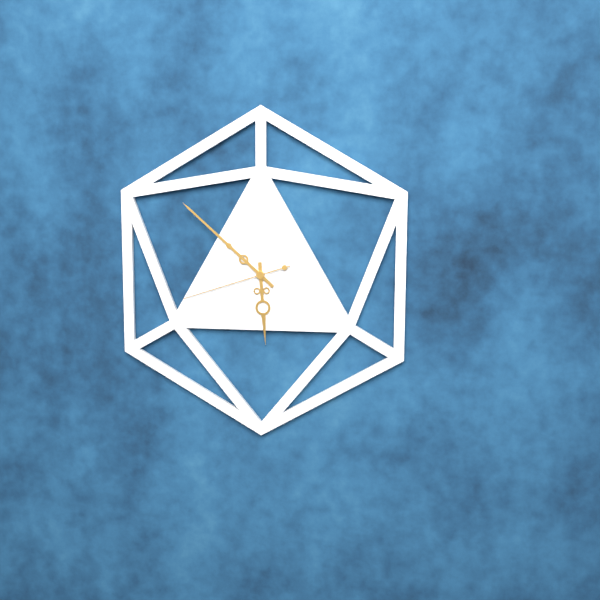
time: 5:52:42
